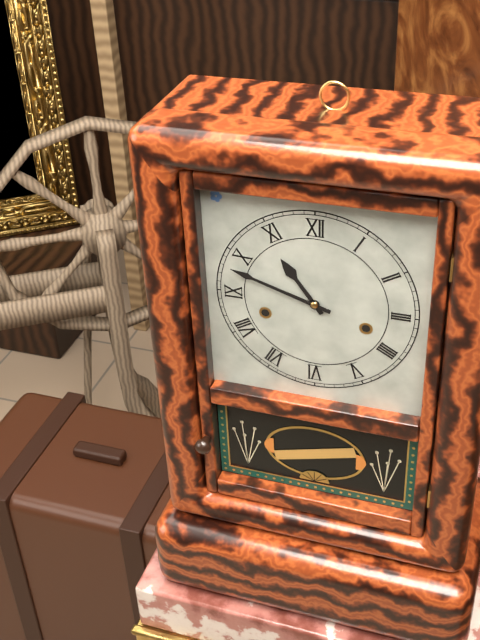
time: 10:48
